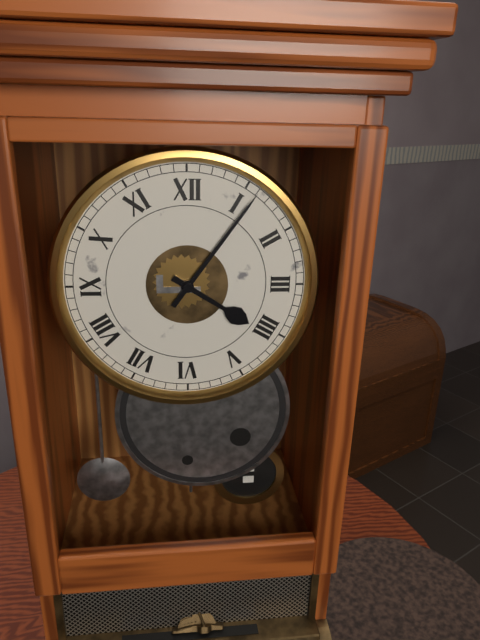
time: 4:06
